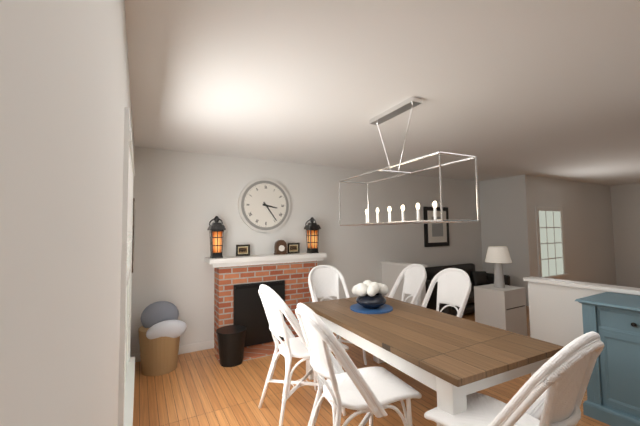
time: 3:24
